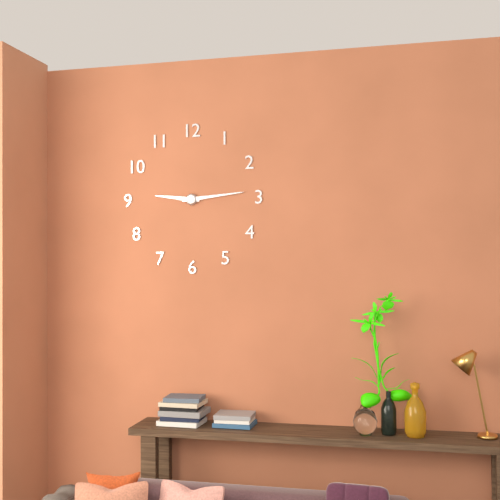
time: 9:14
